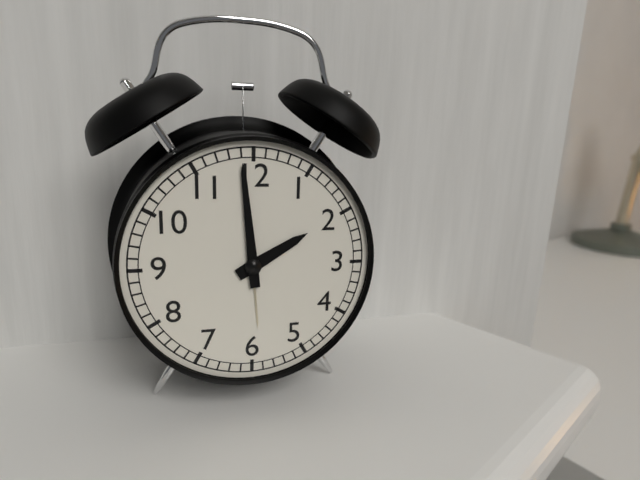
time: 1:59
